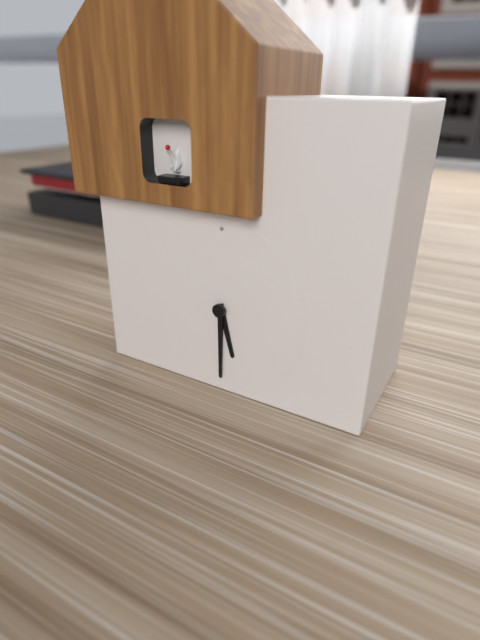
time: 5:30
